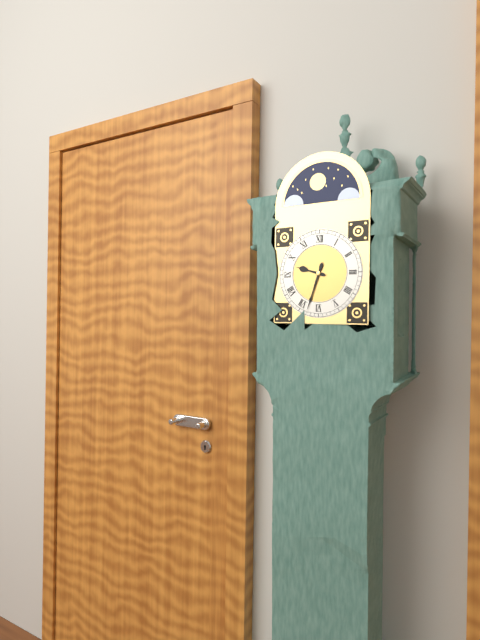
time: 9:33
